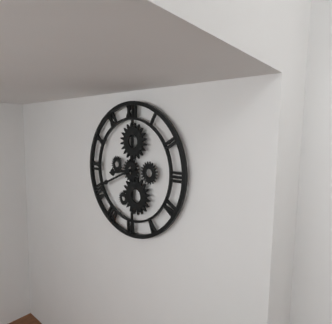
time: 8:41
